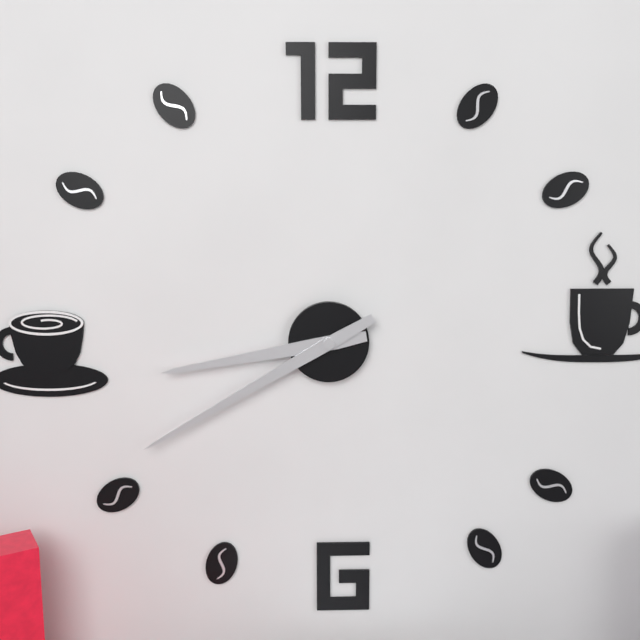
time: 8:40
